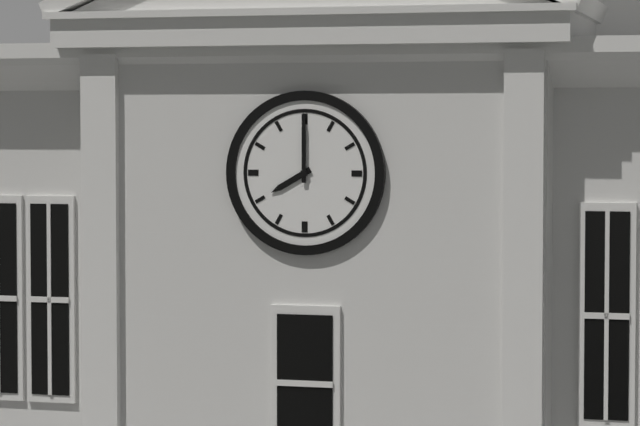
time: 8:00
